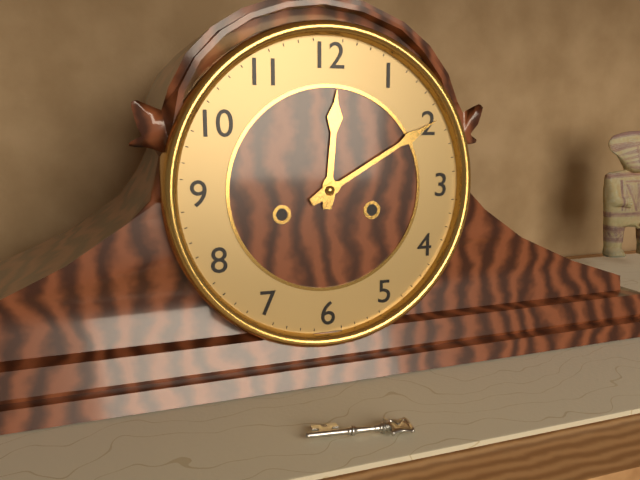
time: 12:10
